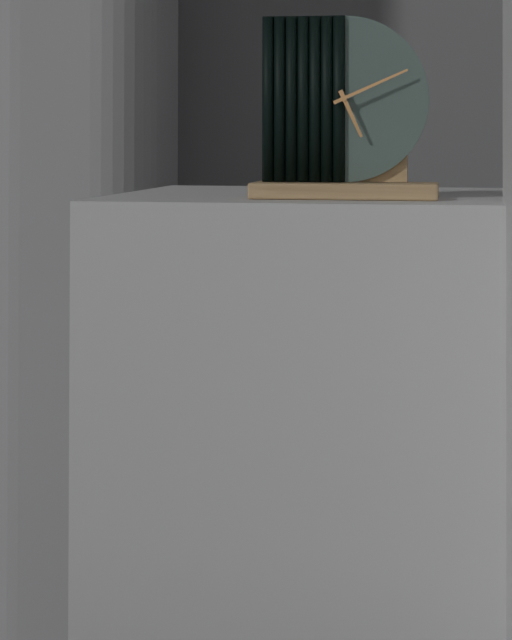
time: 5:11
